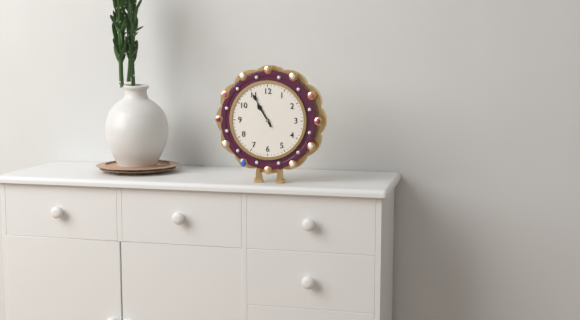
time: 10:55
